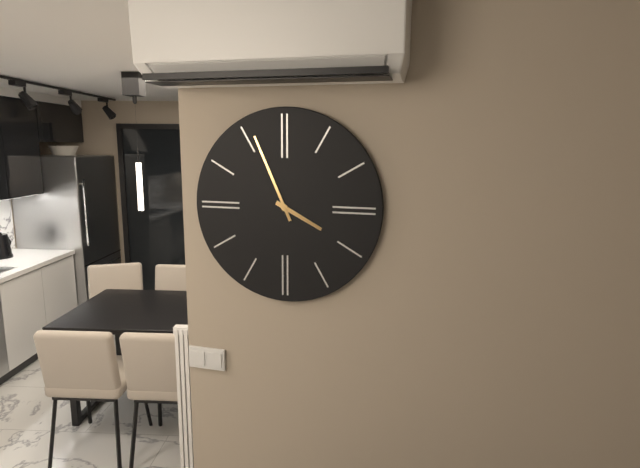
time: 3:56
